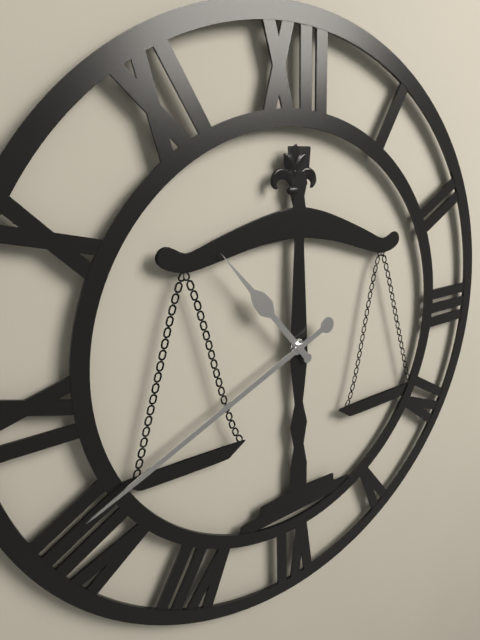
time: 10:41
